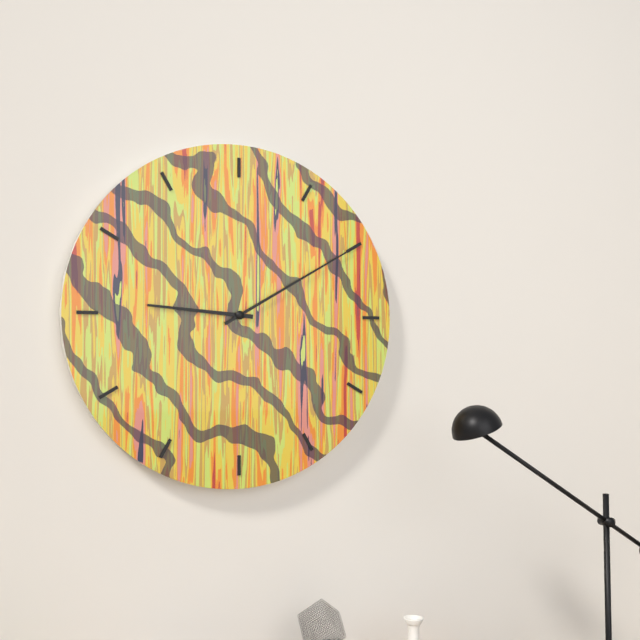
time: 9:10
